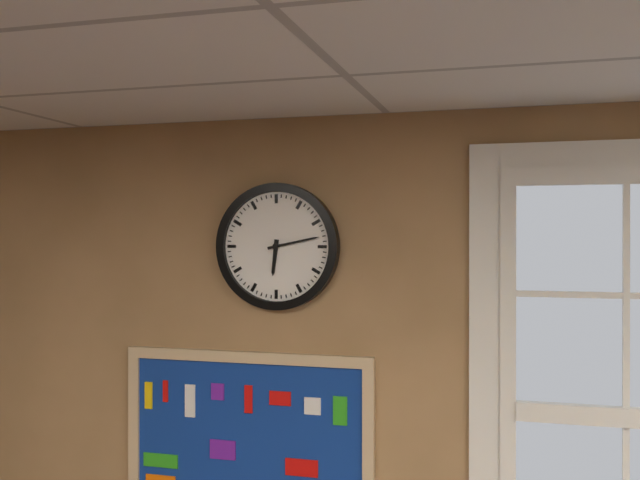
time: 6:13
